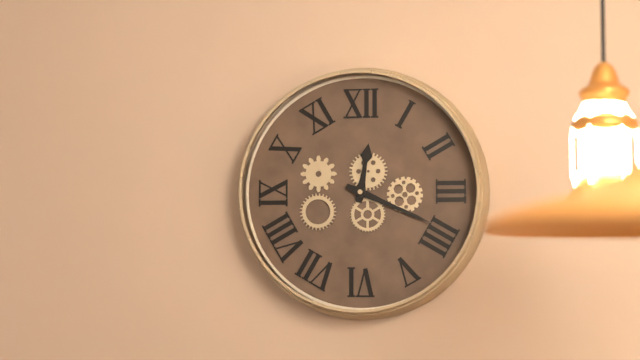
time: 12:19
